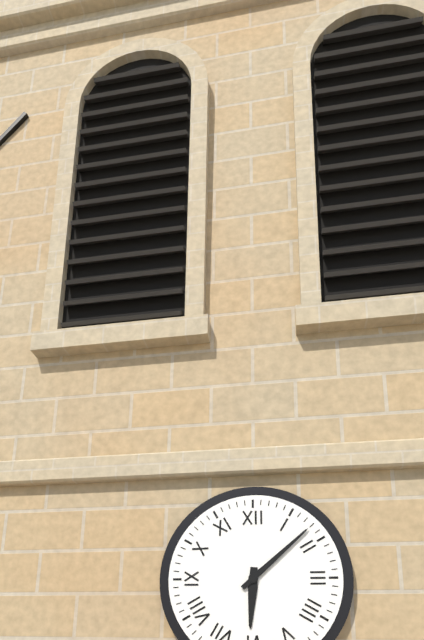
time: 6:08
